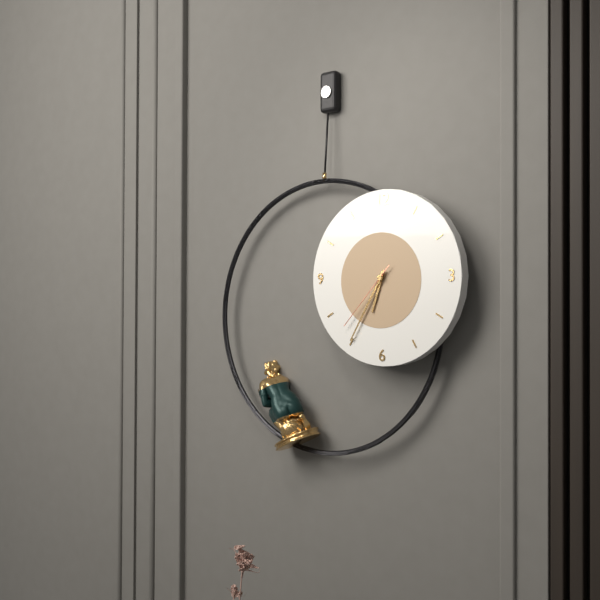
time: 6:35:37
